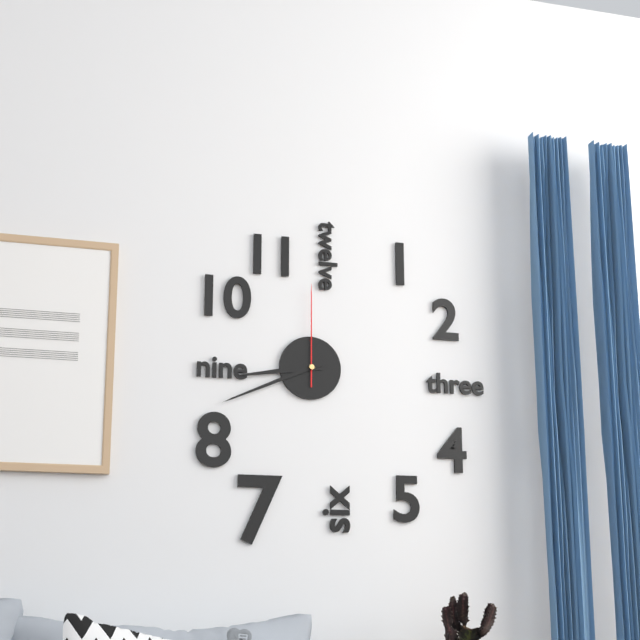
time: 8:41:00
